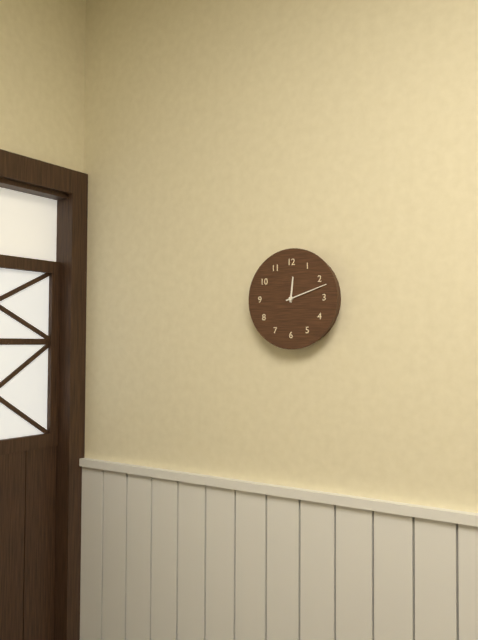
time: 12:12
